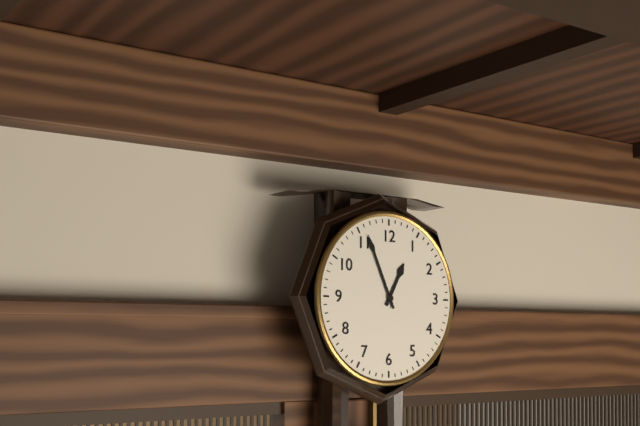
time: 12:56
